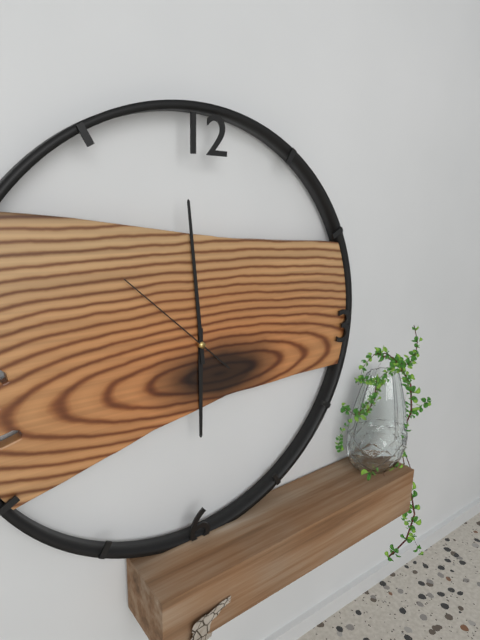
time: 5:59:52
